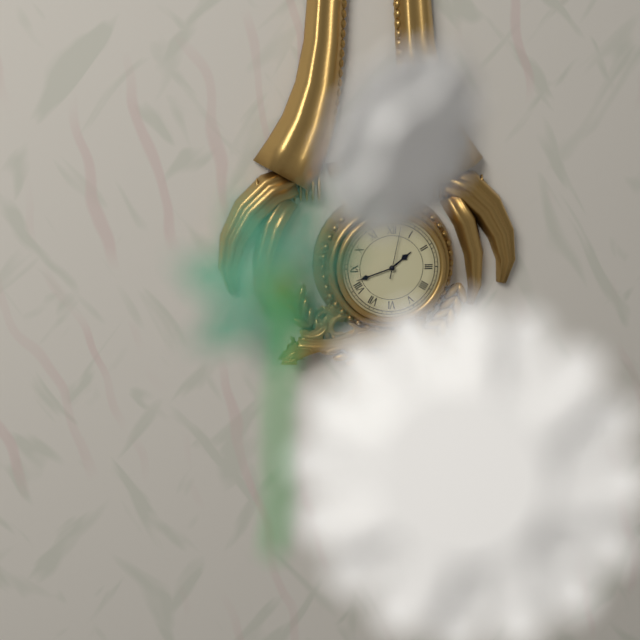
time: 1:42:02
